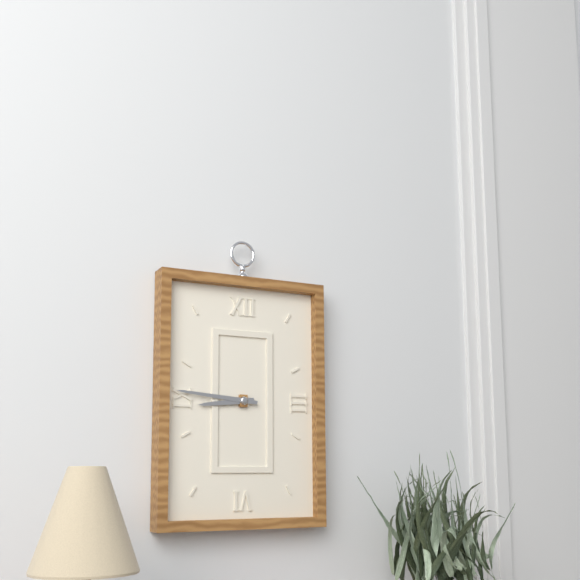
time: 8:46
